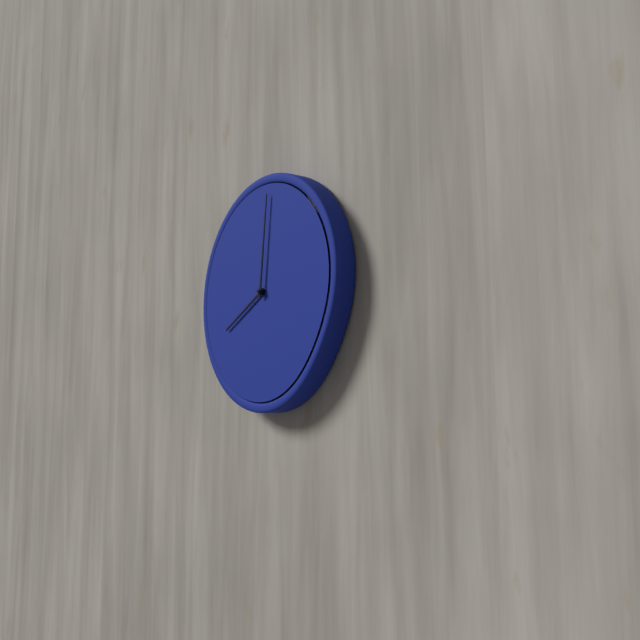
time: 8:01
